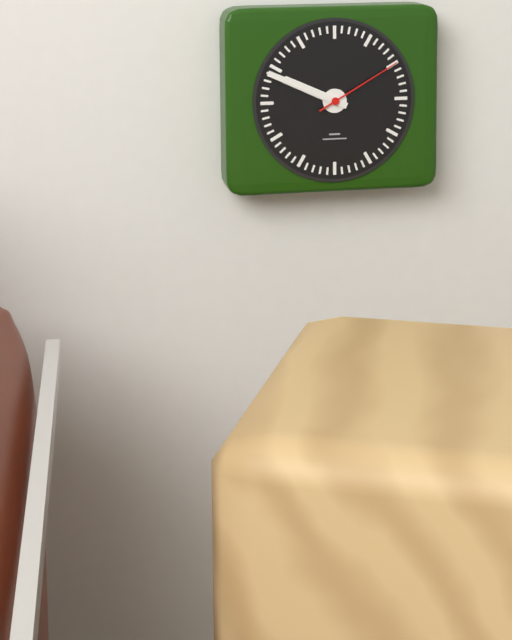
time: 9:49:10
